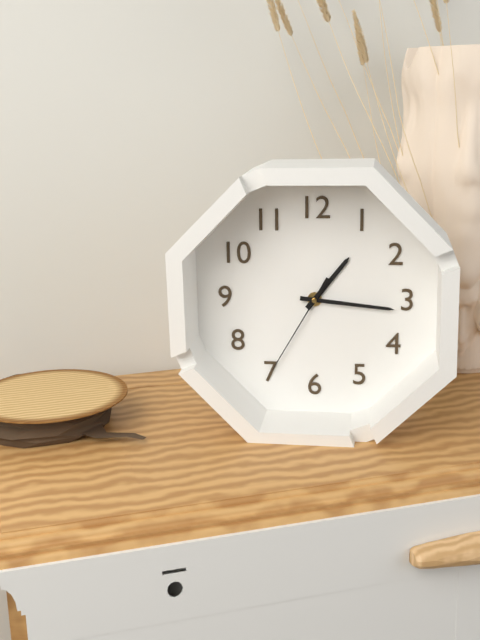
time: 1:16:35
